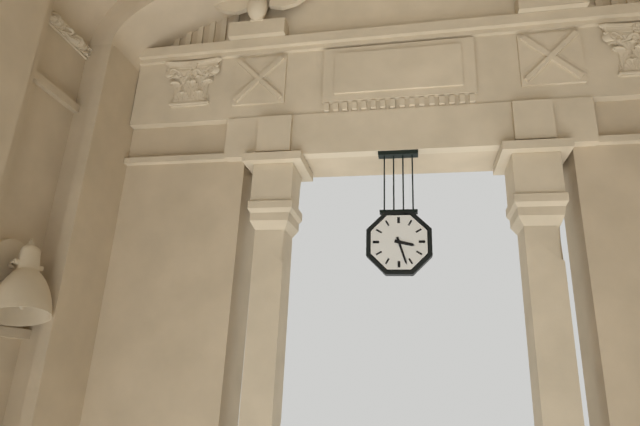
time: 3:27
